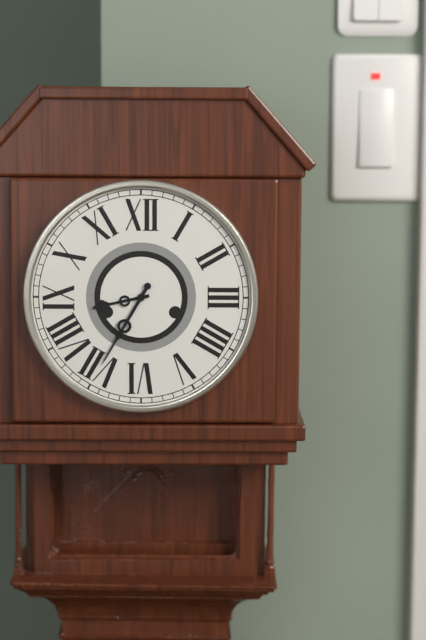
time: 8:35
